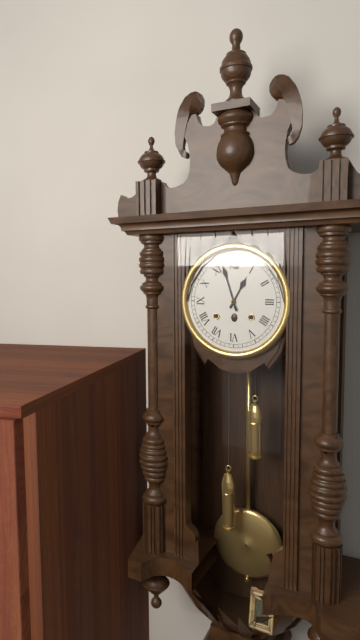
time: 12:57
